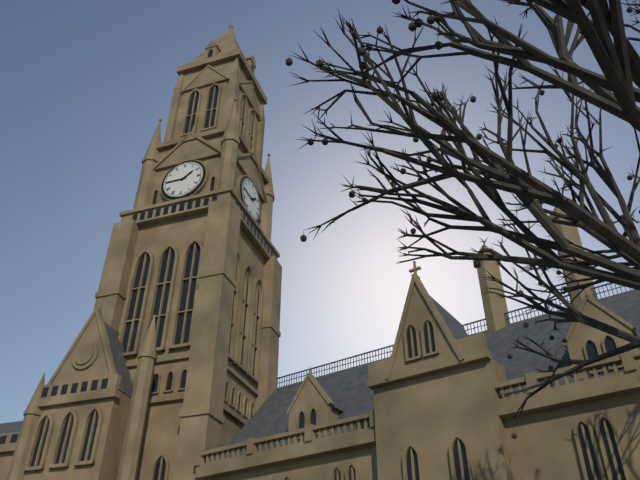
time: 1:45
